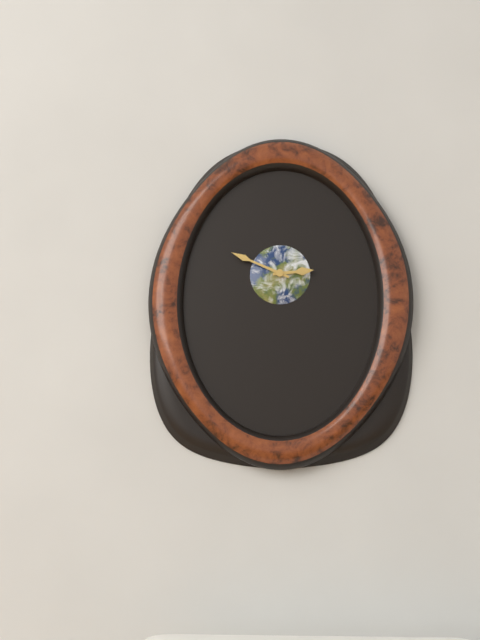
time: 2:49
